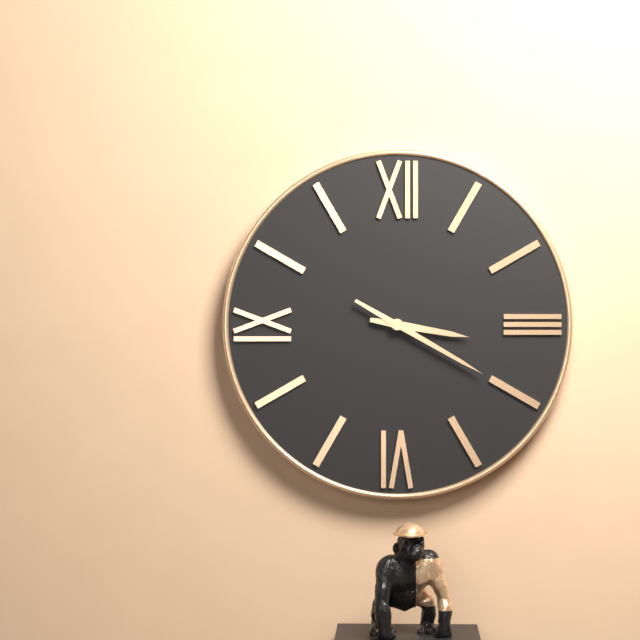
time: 3:20
